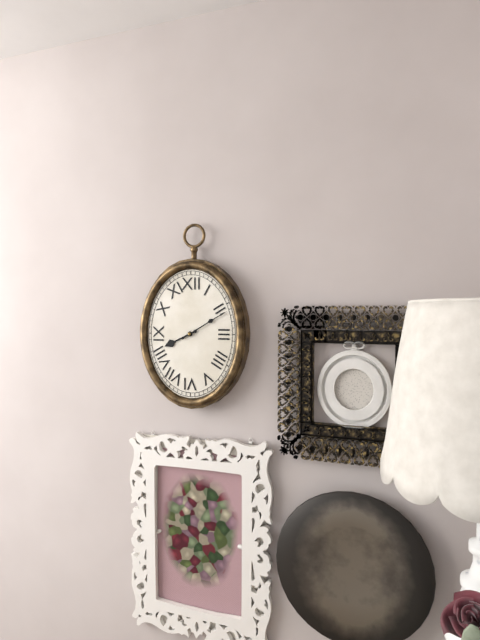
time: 8:10
